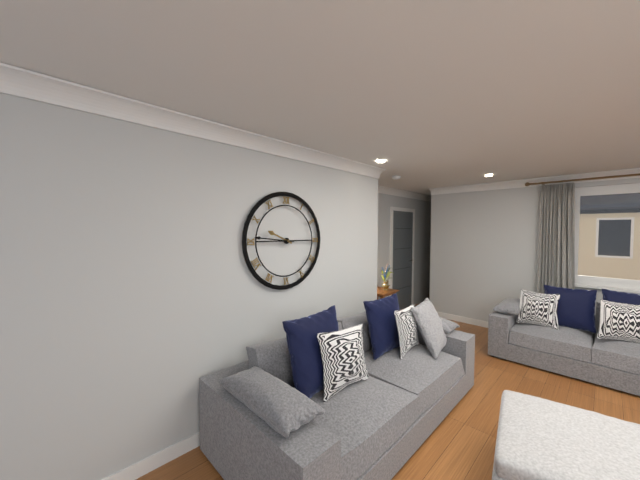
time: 9:46
